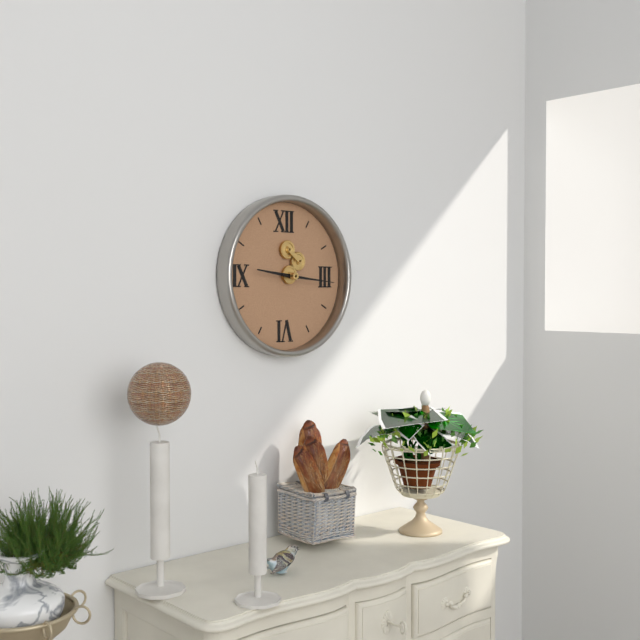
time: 9:16
